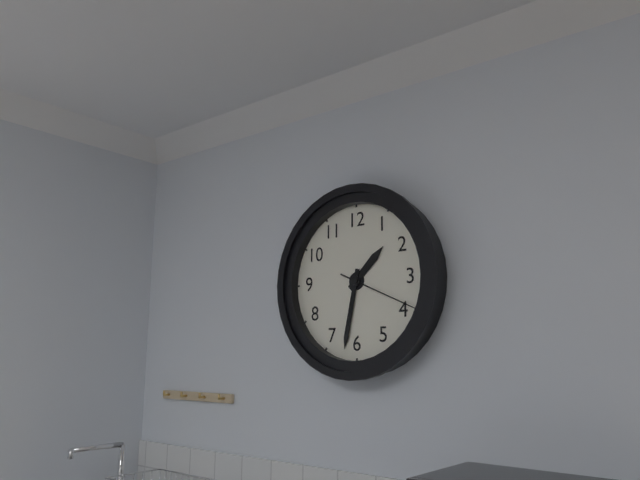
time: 1:32:19
